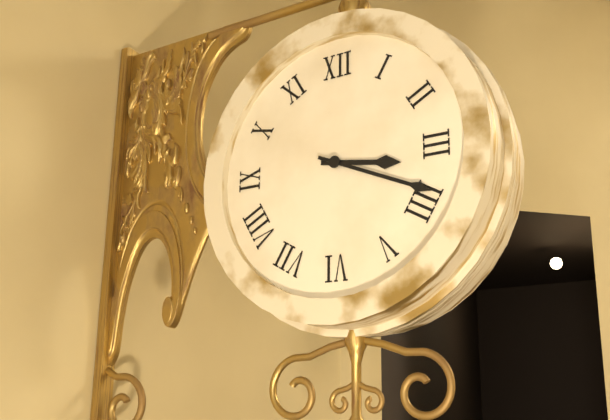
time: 3:19
